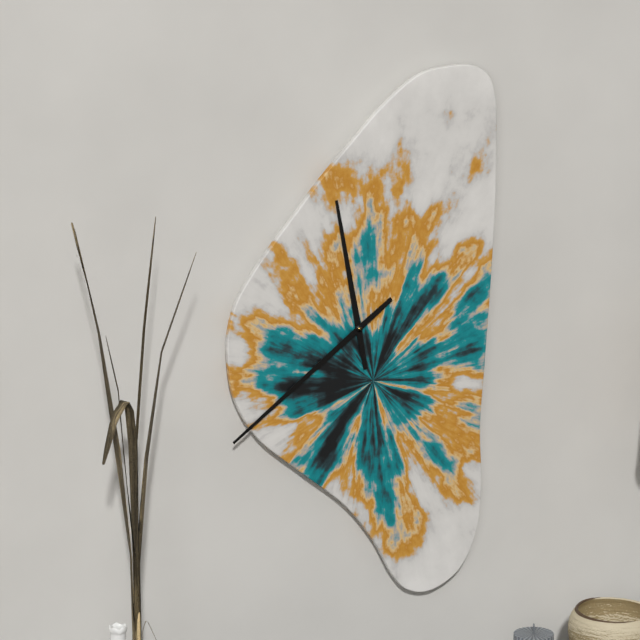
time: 11:39
